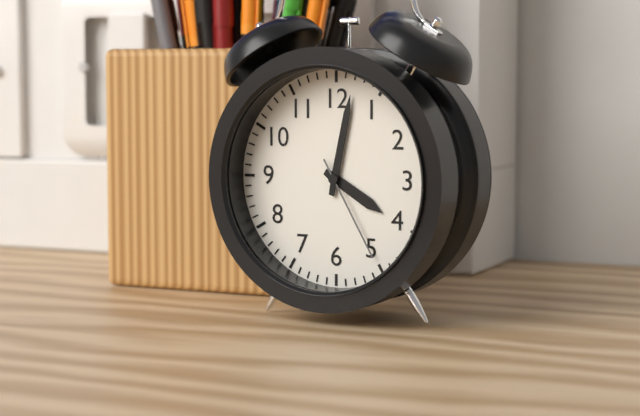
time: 4:02:25
